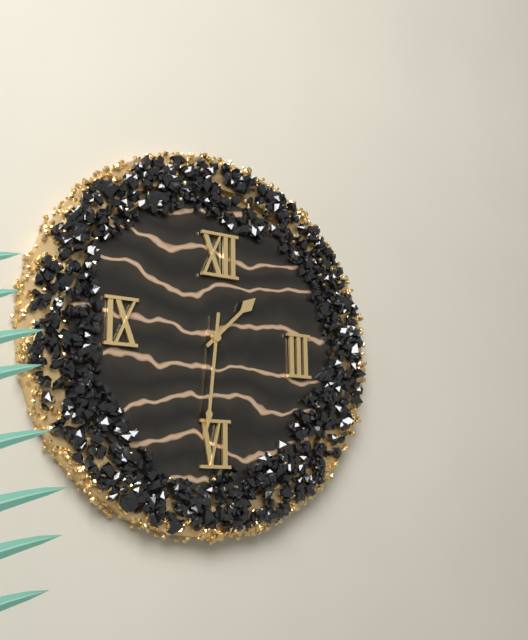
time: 1:31
